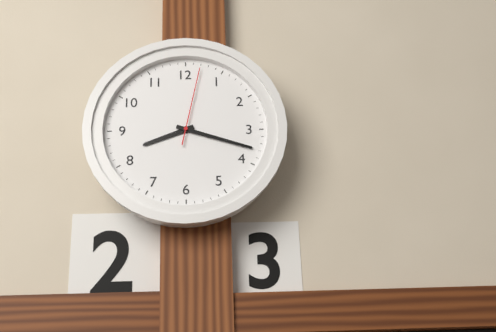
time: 8:18:02
